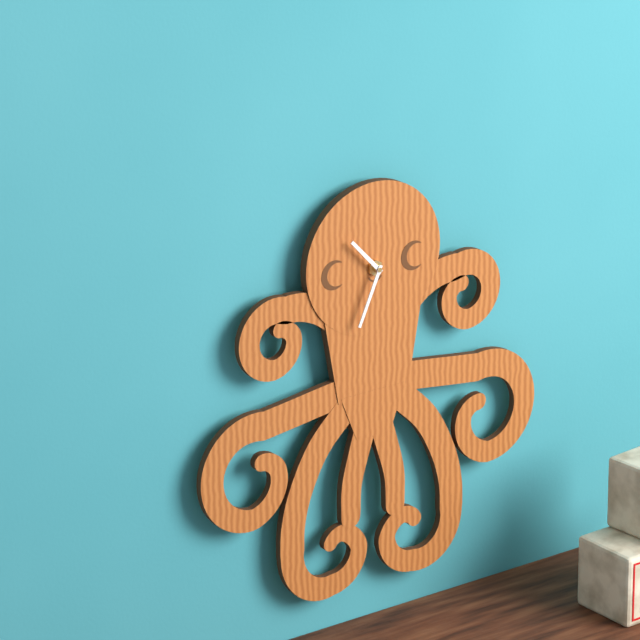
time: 10:34
